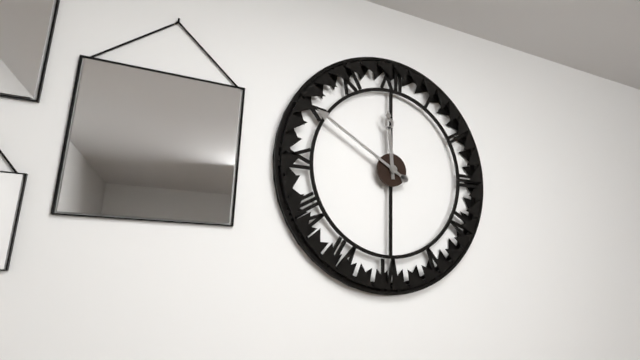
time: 11:50
